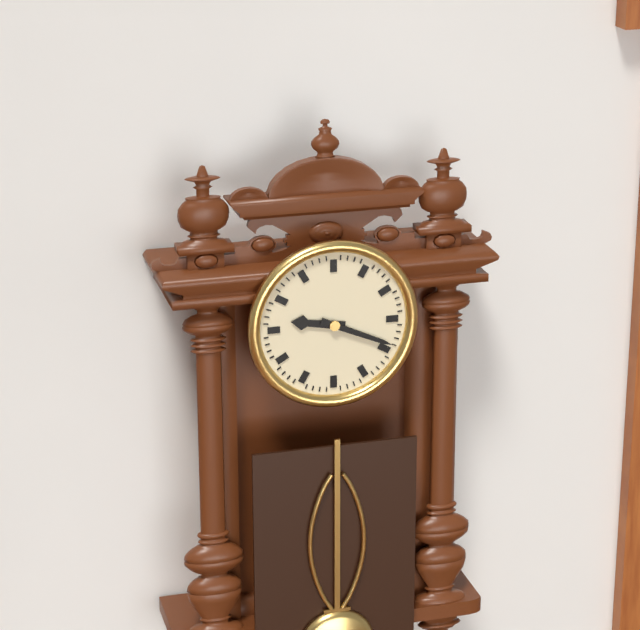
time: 9:19
